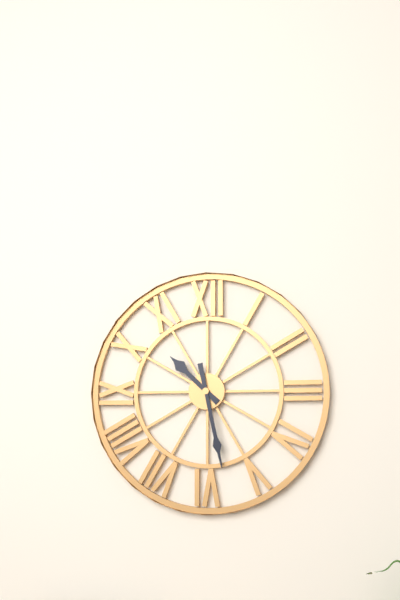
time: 10:28
